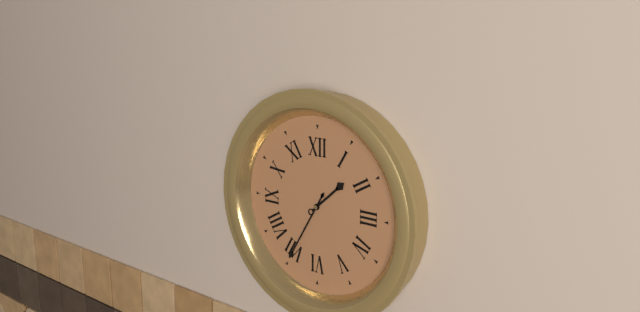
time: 1:35
